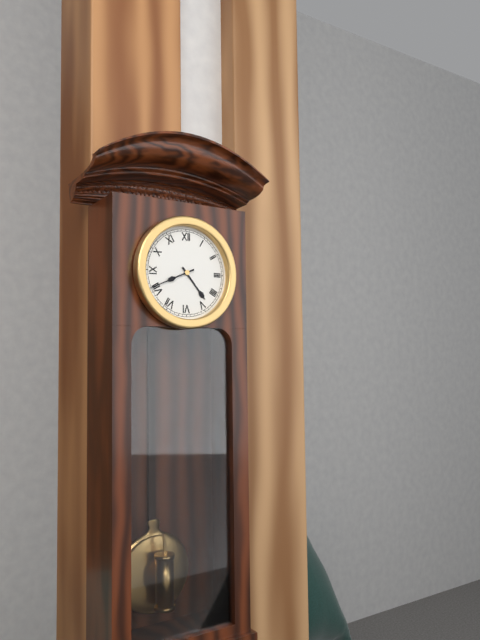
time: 4:41
